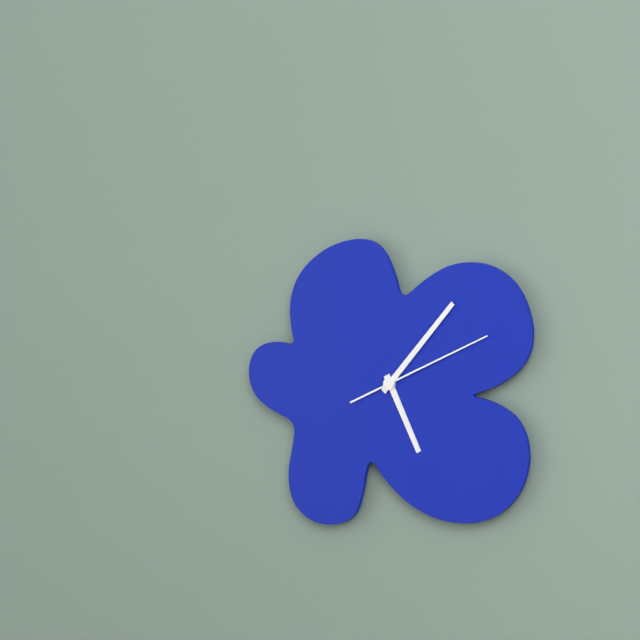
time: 5:07:11
